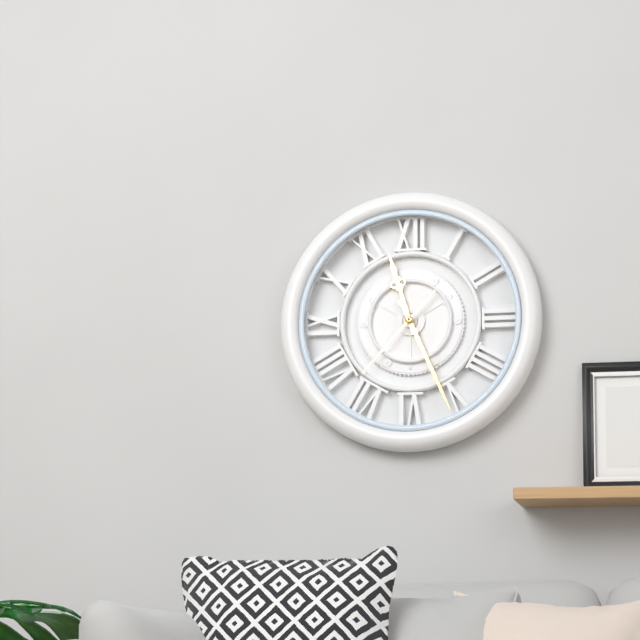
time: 11:26:37
